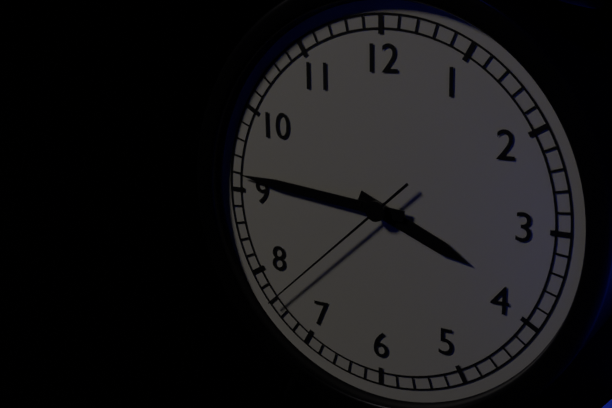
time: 3:46:38
